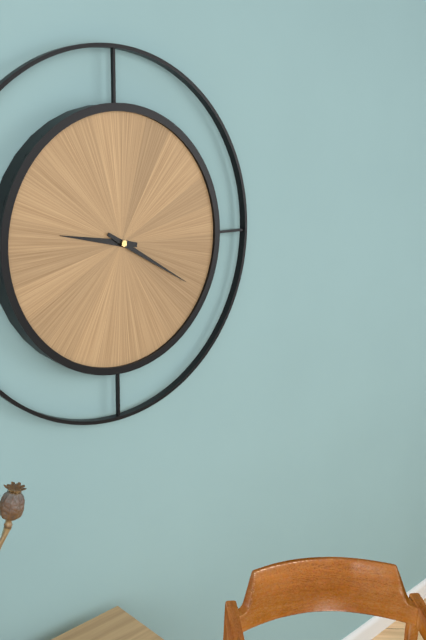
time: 9:20
